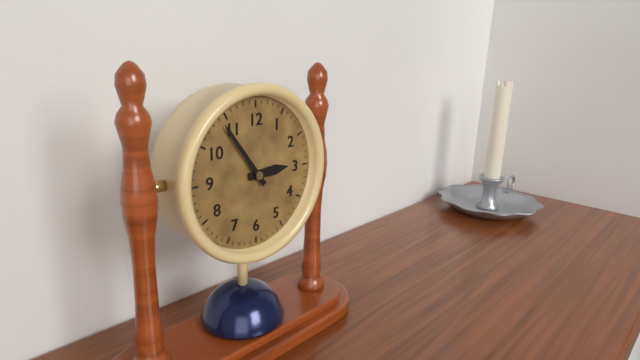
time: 2:54
